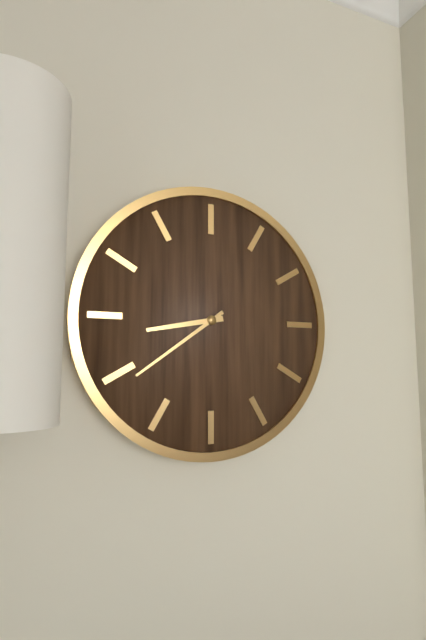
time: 8:39
